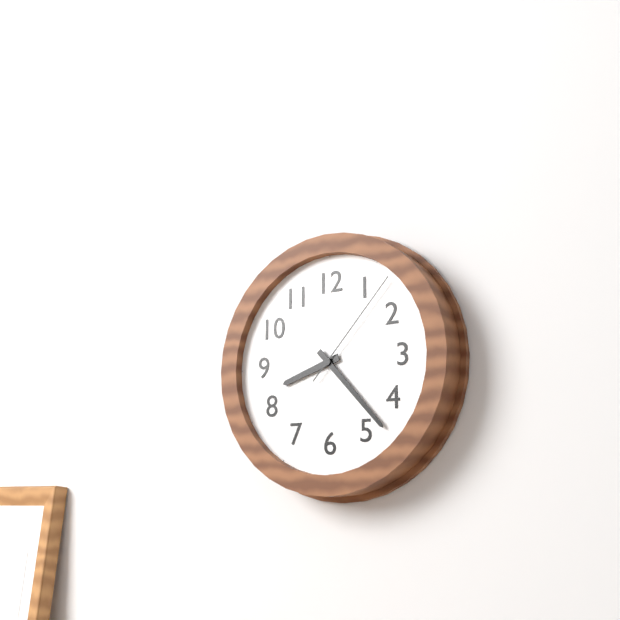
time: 8:23:07
